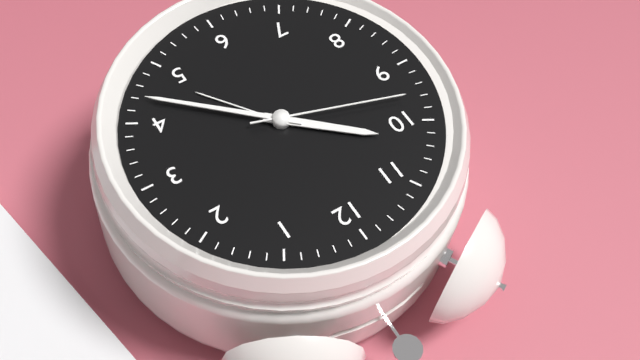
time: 10:22:48
